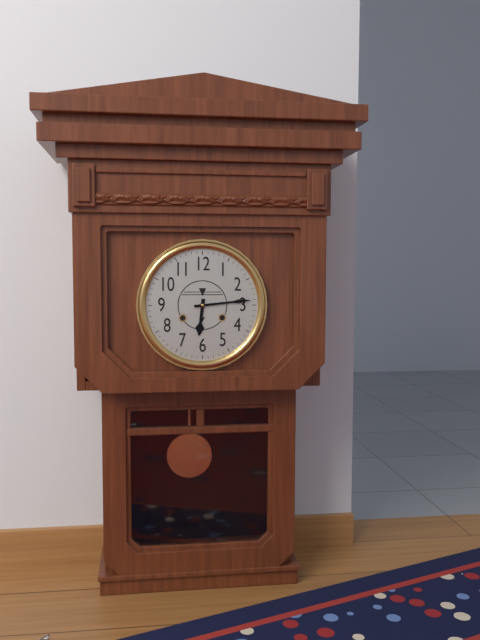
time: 6:14
